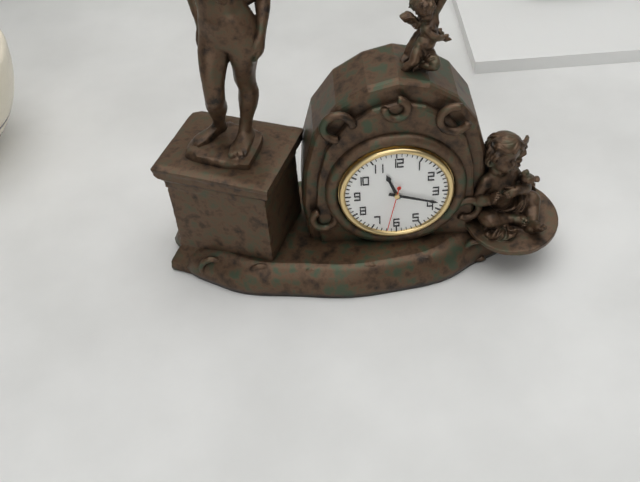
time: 11:18
